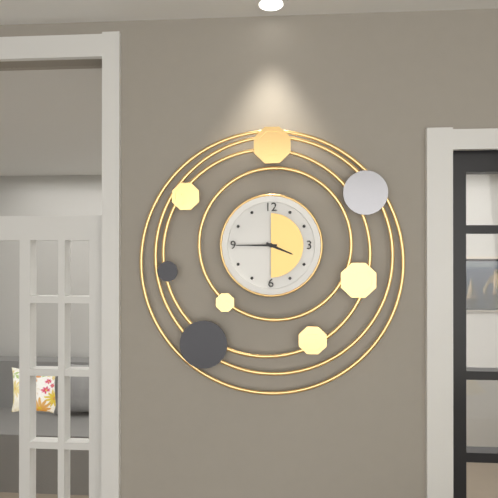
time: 3:45
